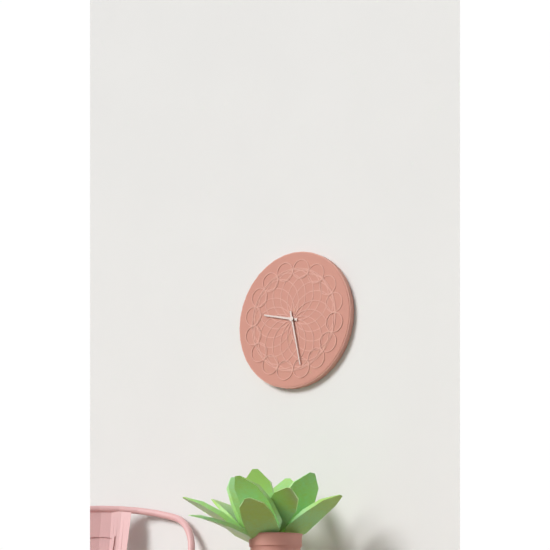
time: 9:28
